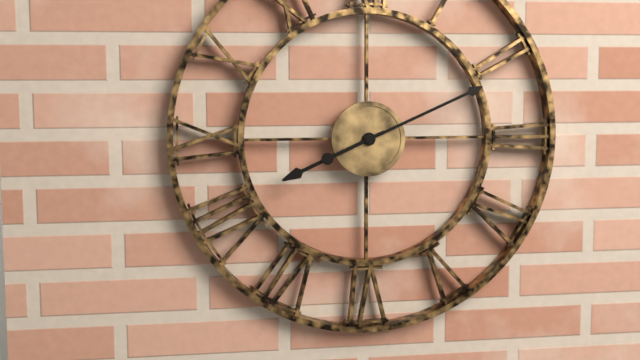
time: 8:11
